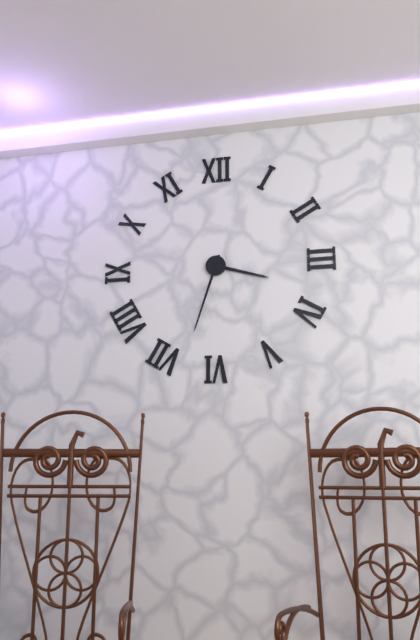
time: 3:33
